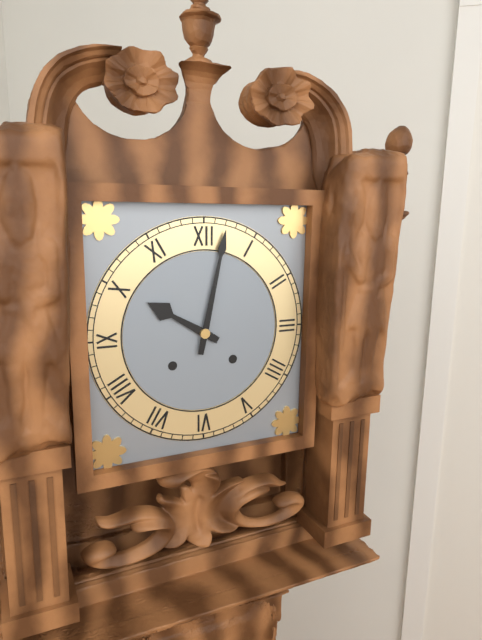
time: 10:02
